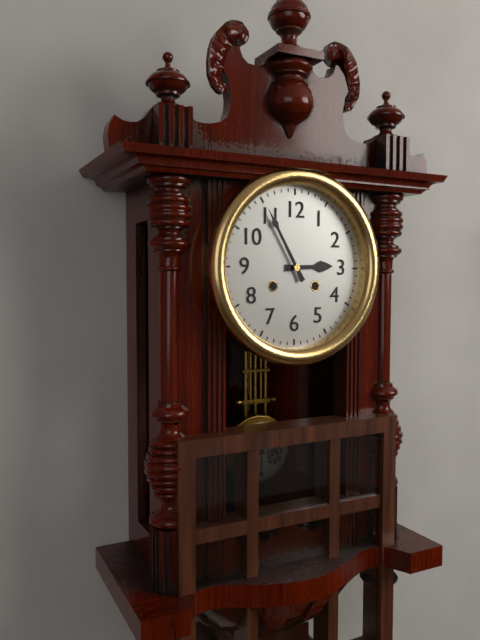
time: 2:55
